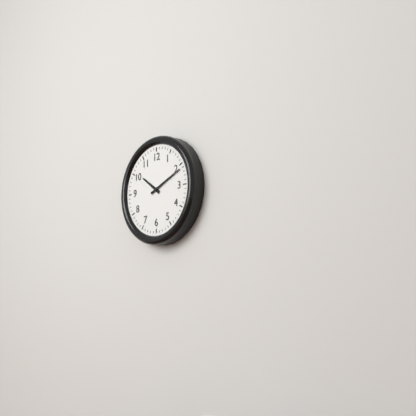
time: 10:11
